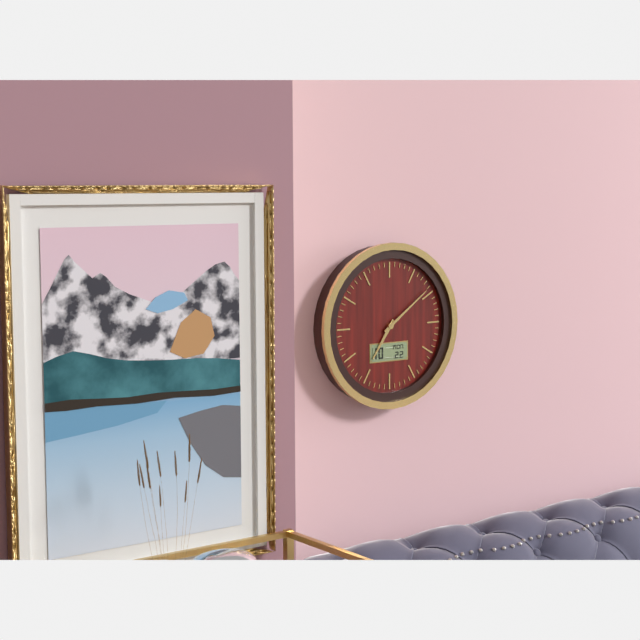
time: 7:09
